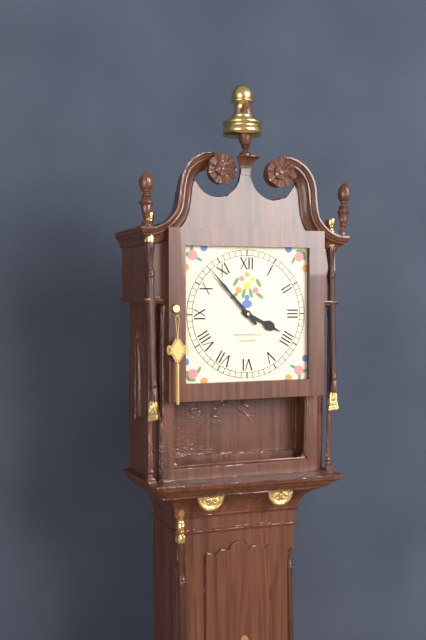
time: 3:53
